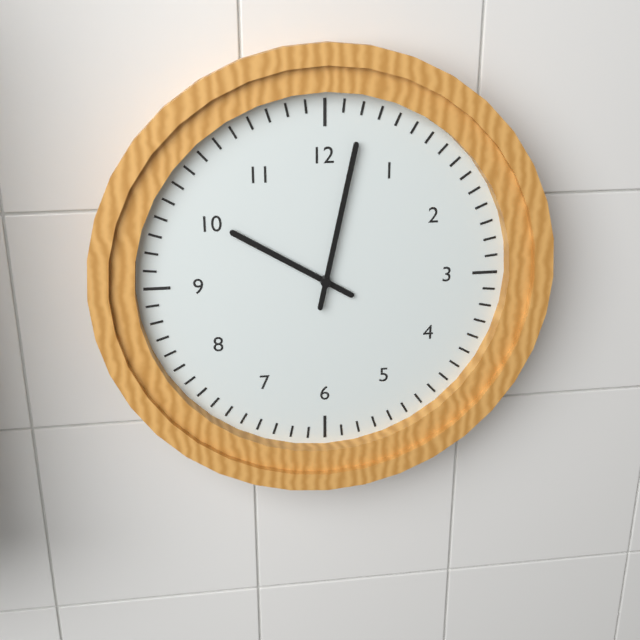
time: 10:02
